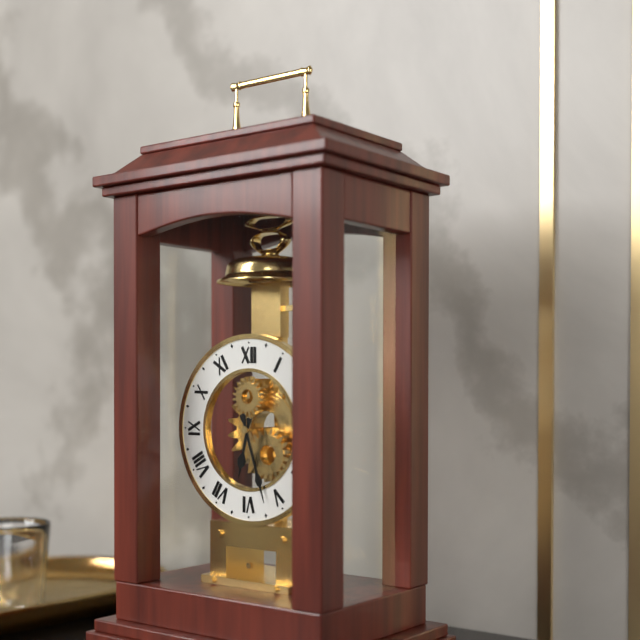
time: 6:27
